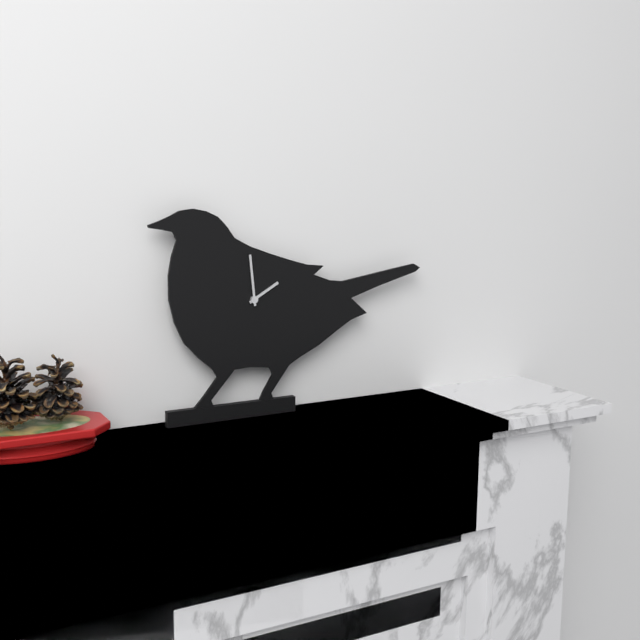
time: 1:59
